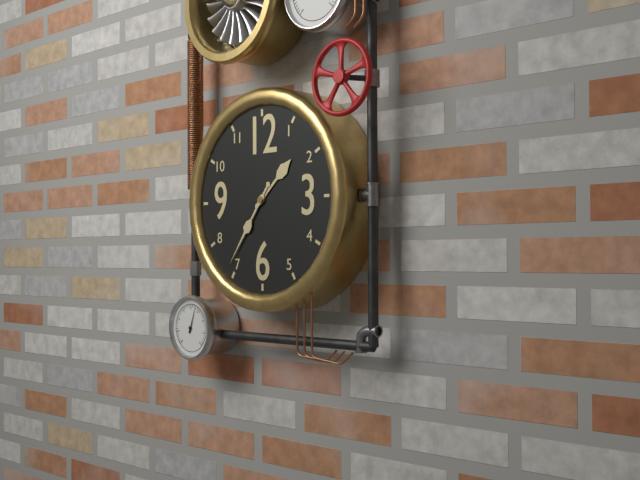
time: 1:36
